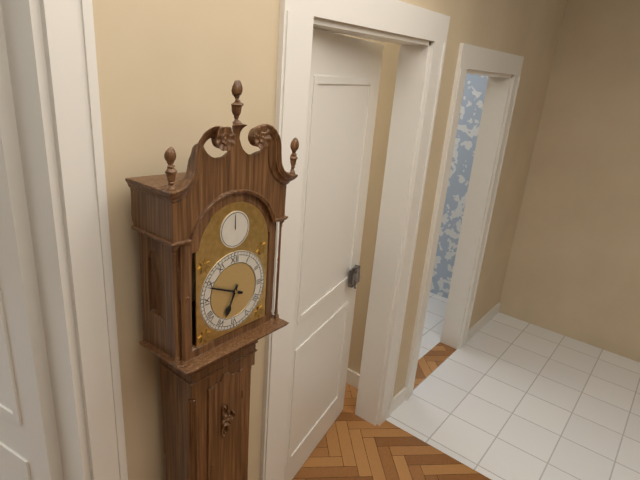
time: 6:49
